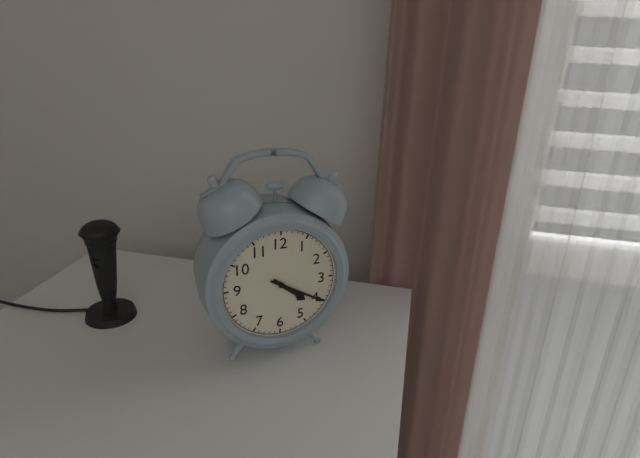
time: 4:20
